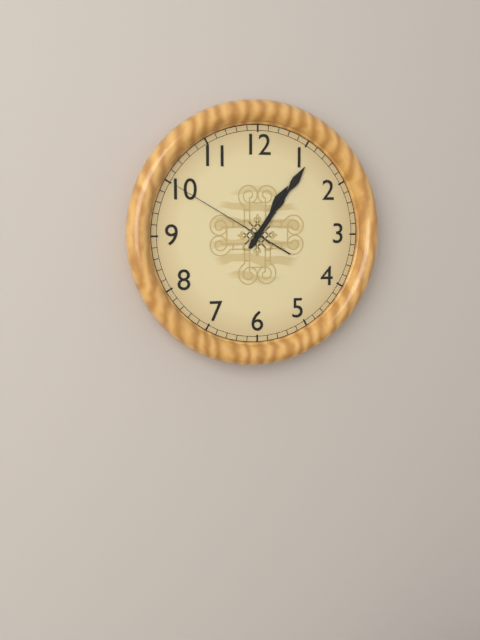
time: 1:06:50
